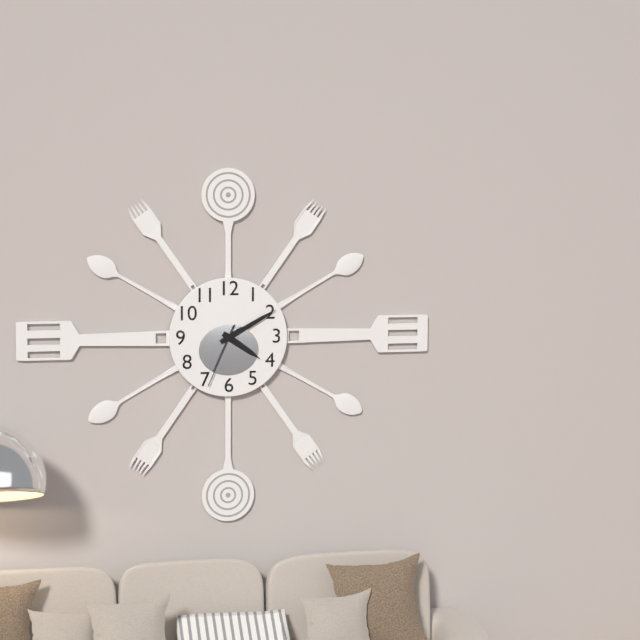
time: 4:10:34
